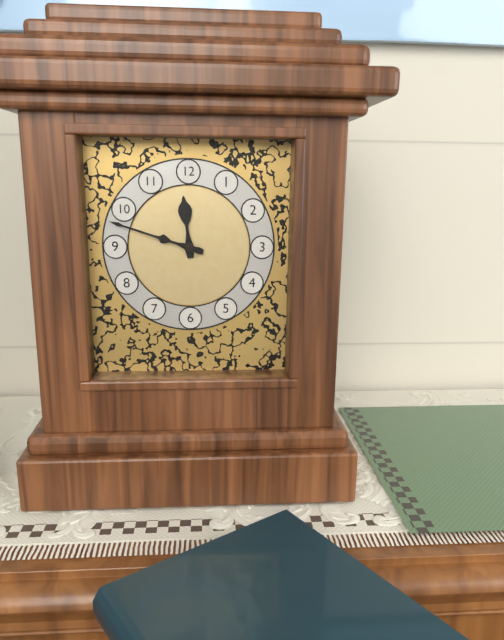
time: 11:48
